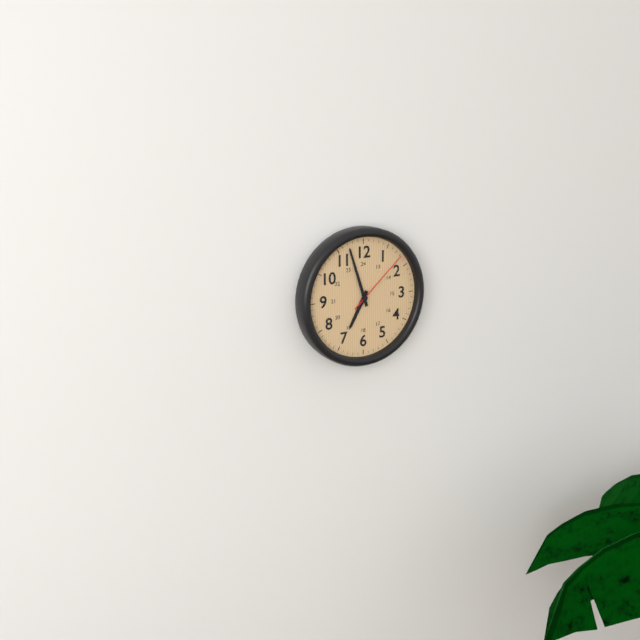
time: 6:57:08
